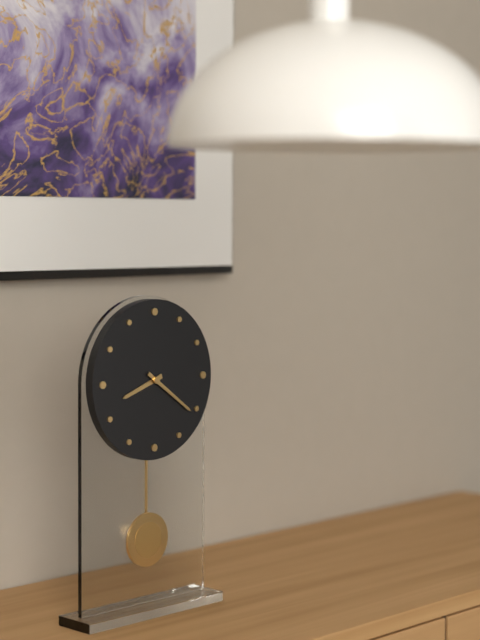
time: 8:21
